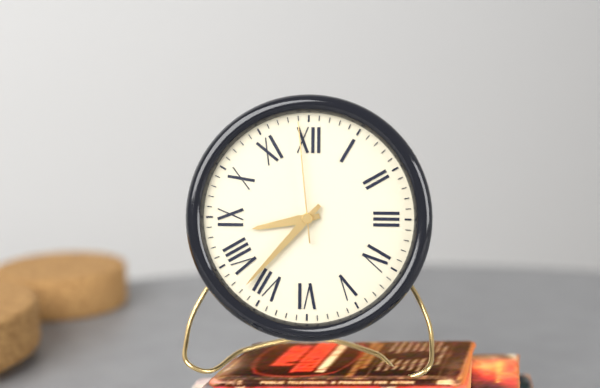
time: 8:37:59
